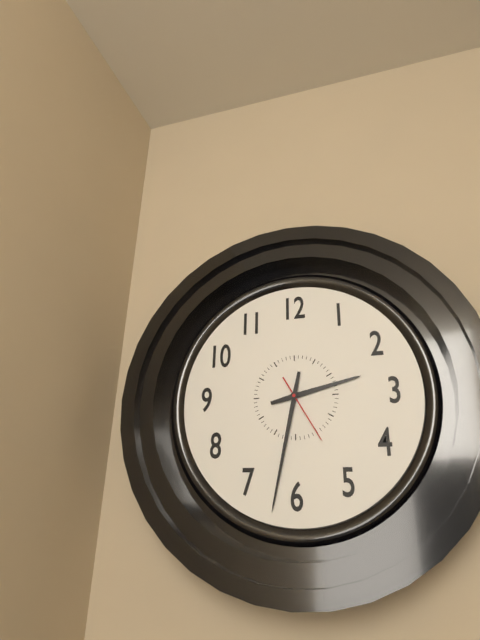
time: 2:32:25
